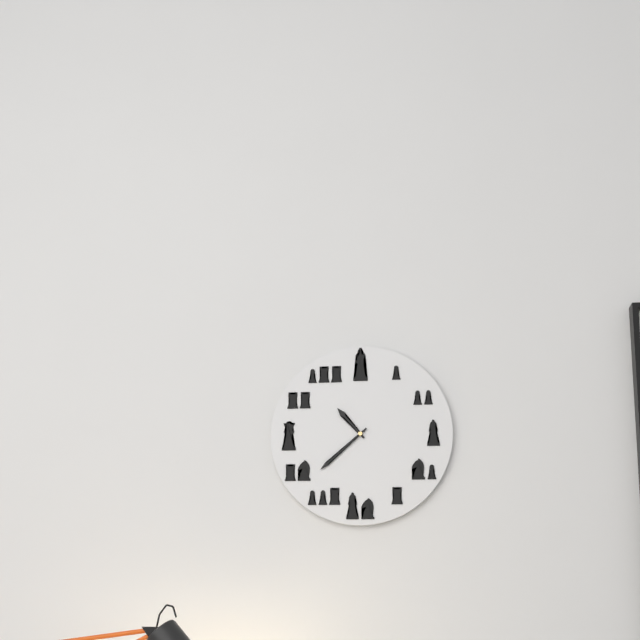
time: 10:38
